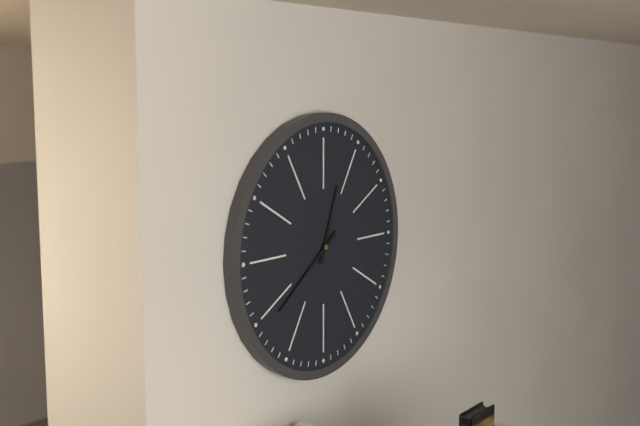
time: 12:39
